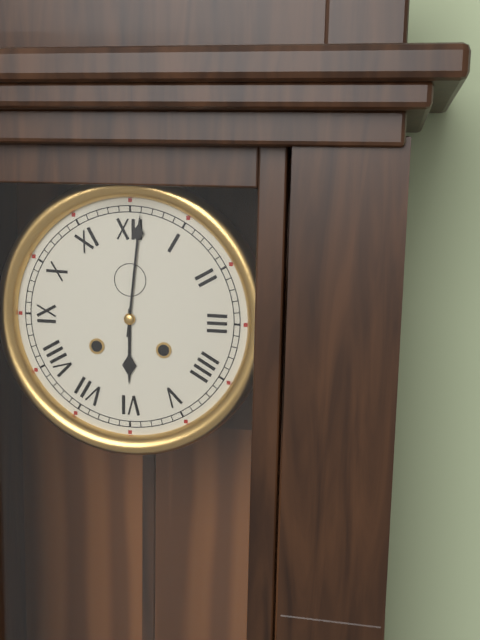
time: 6:01
